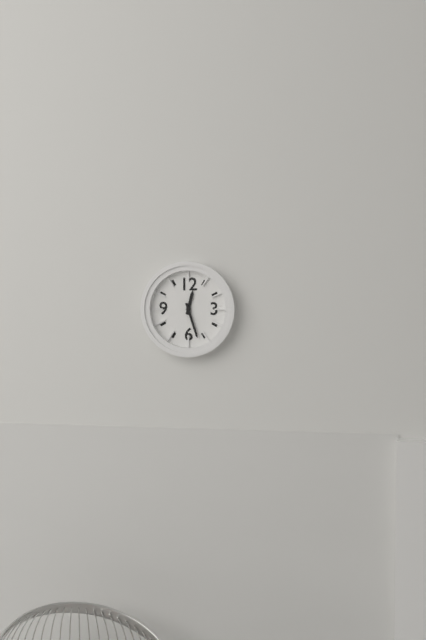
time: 12:27
